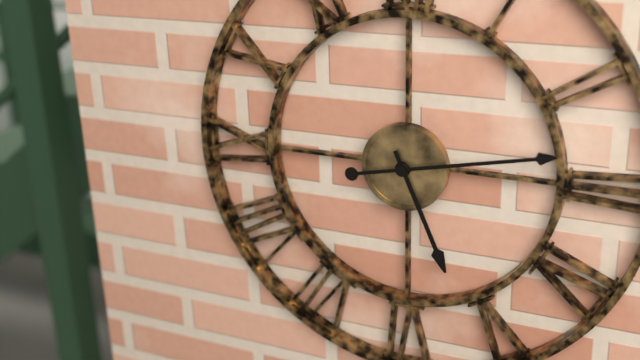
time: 5:13
